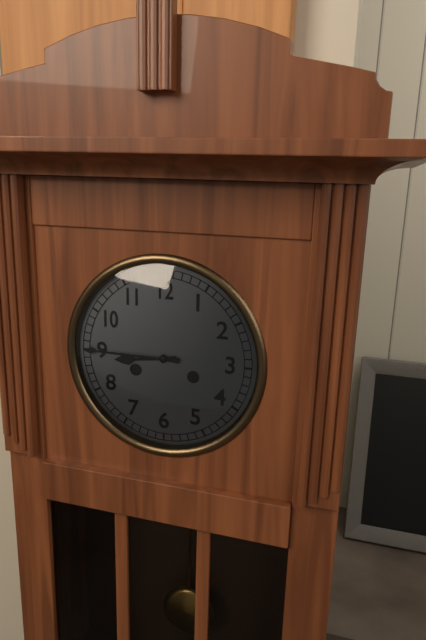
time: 8:45
